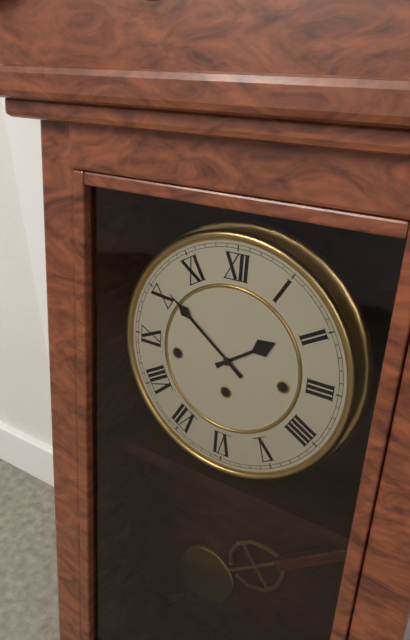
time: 1:51
